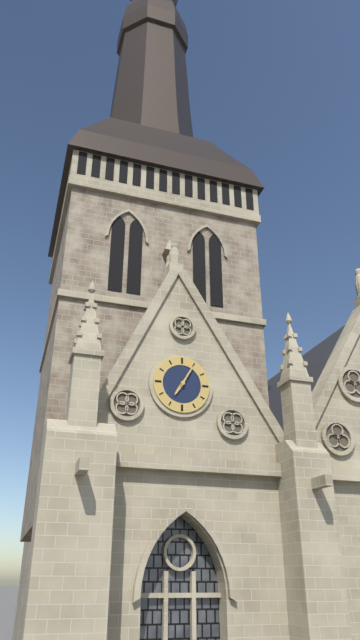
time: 7:05
